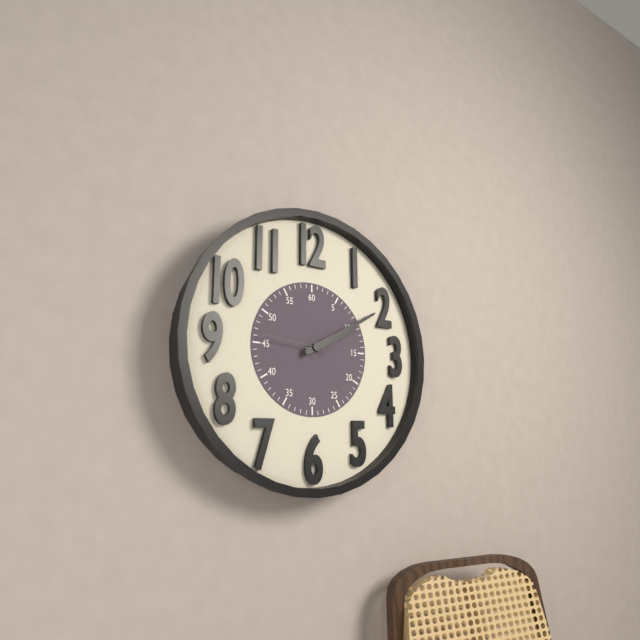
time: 2:10
